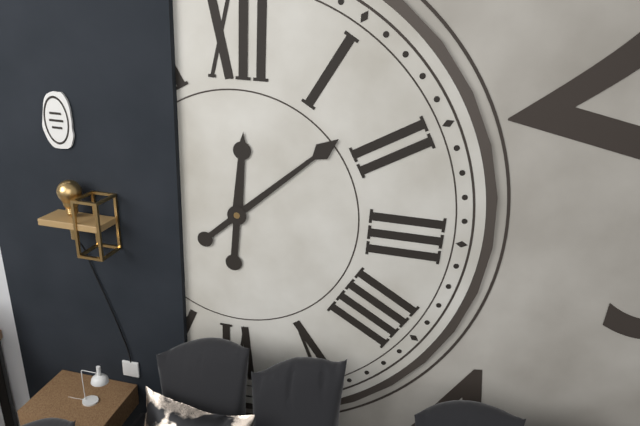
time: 12:08
